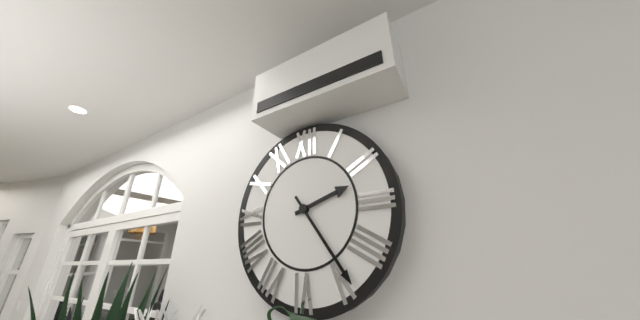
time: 2:24
